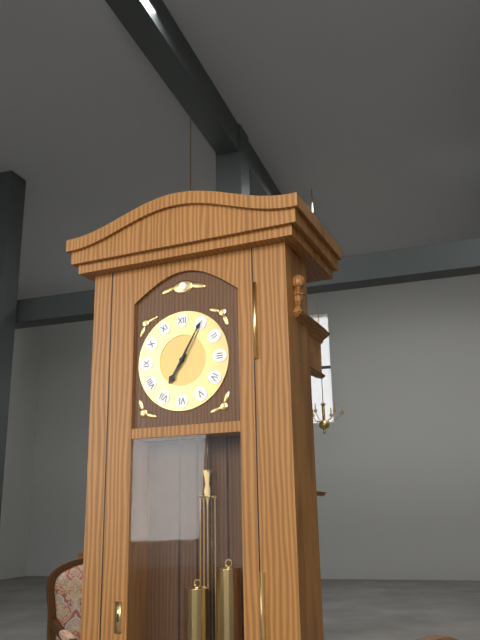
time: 7:05
